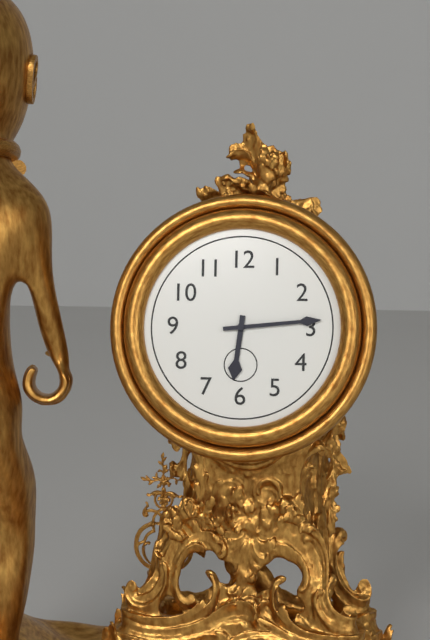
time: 6:14
